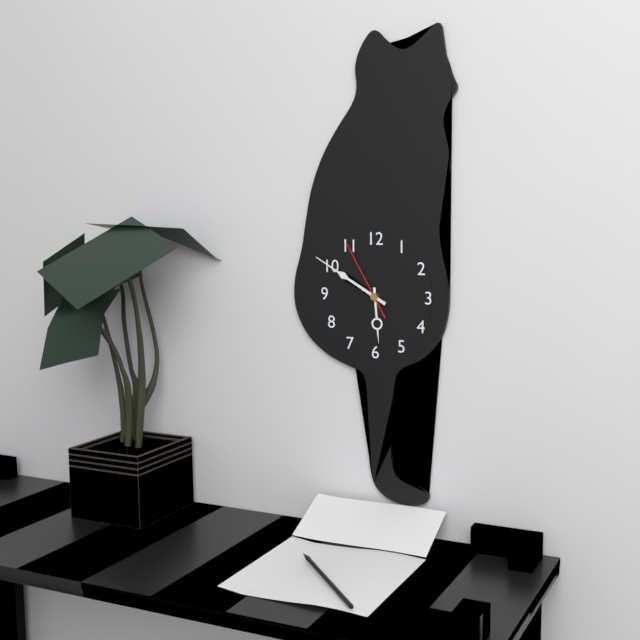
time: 5:50:55
